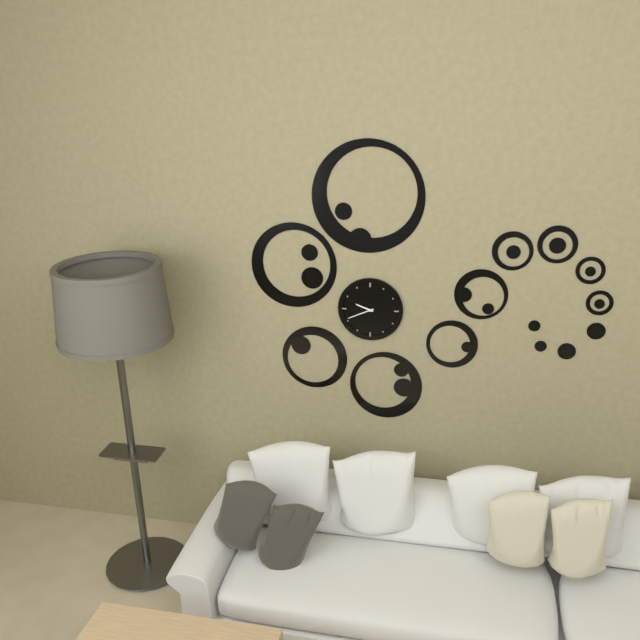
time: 9:41
